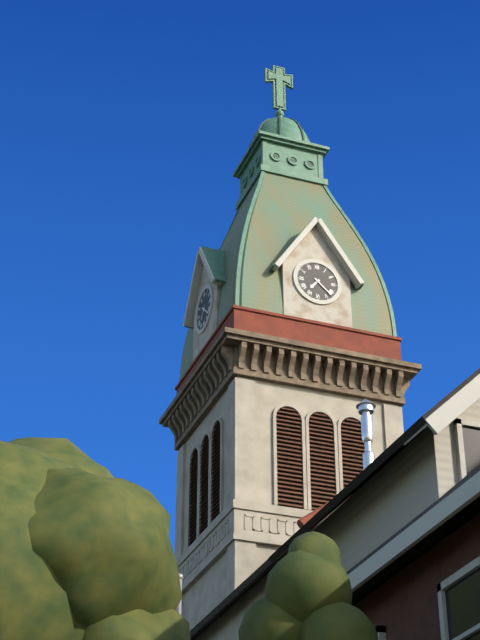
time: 7:22
